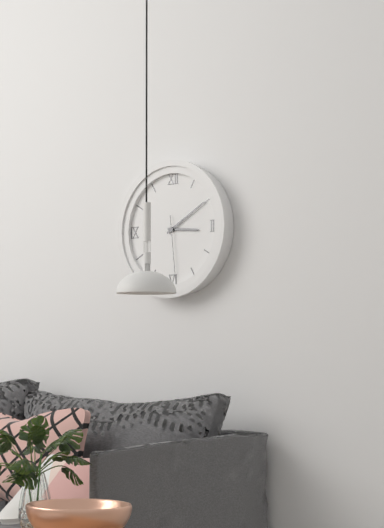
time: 3:10:29
